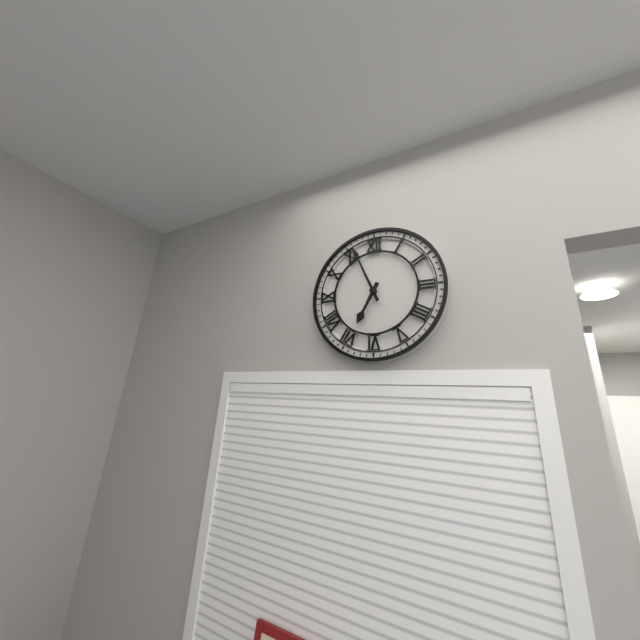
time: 6:56
